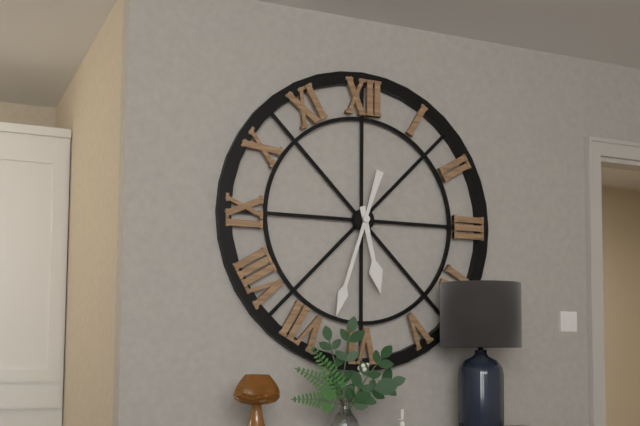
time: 5:33
